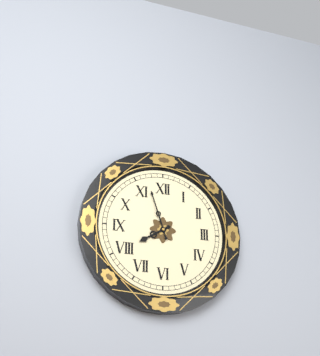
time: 7:57
